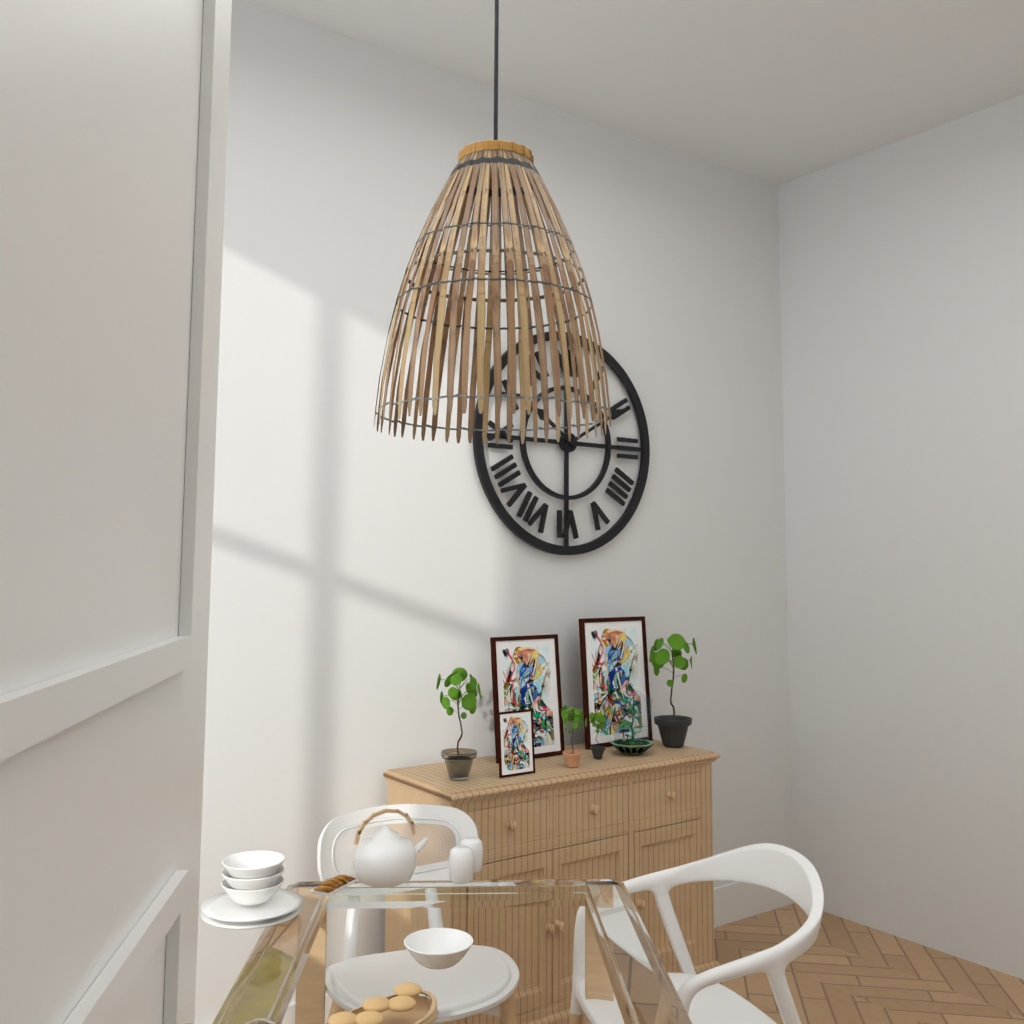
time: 10:10
